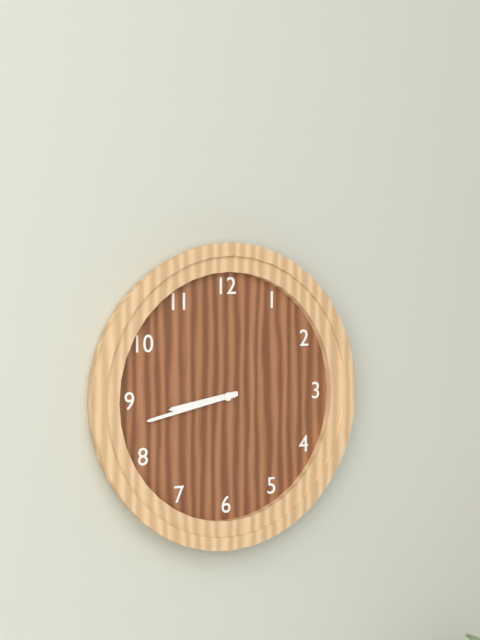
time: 8:43
